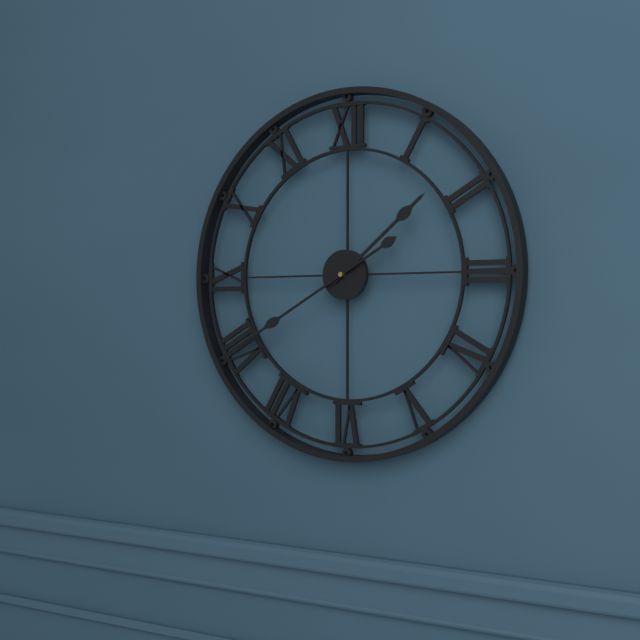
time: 1:40
